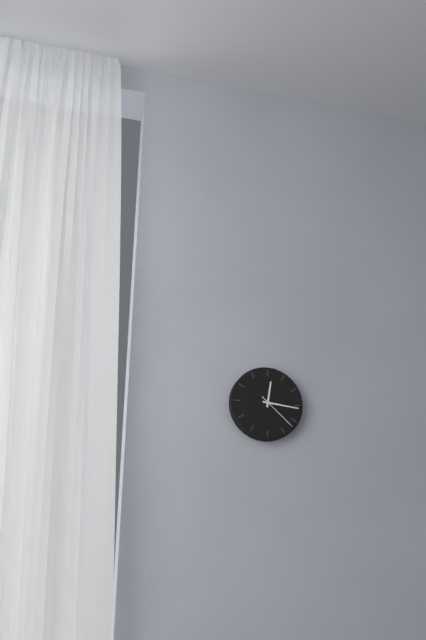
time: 12:16
